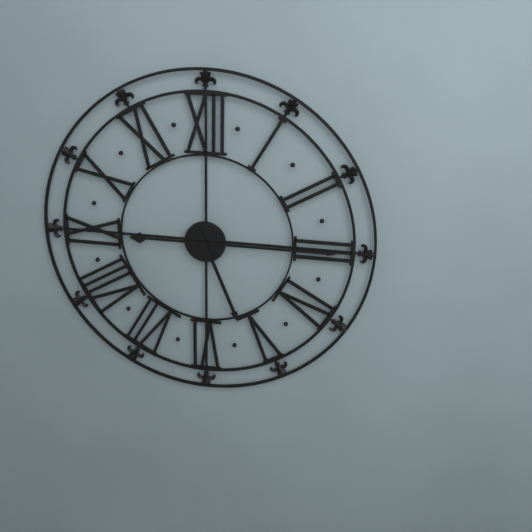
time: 5:15
